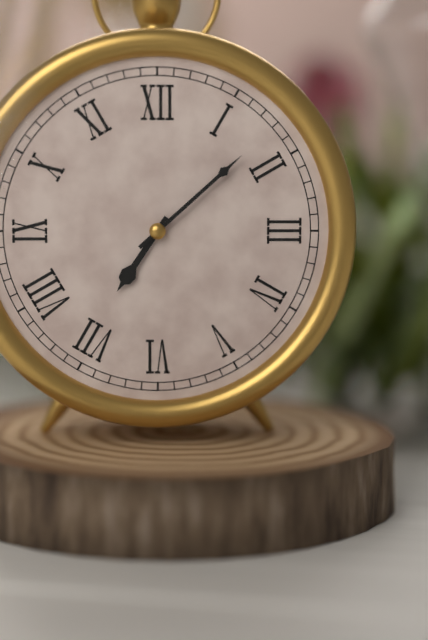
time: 7:08
